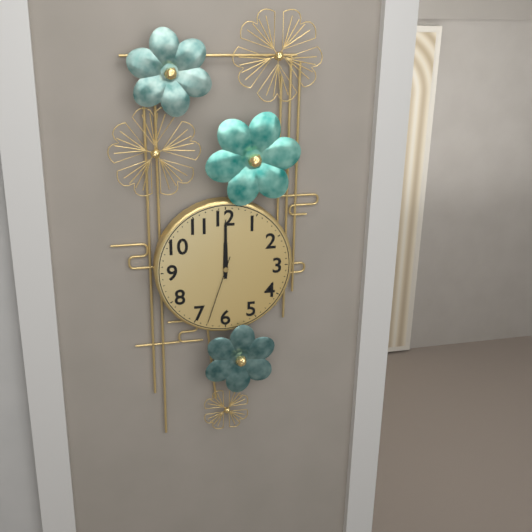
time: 12:00:33
